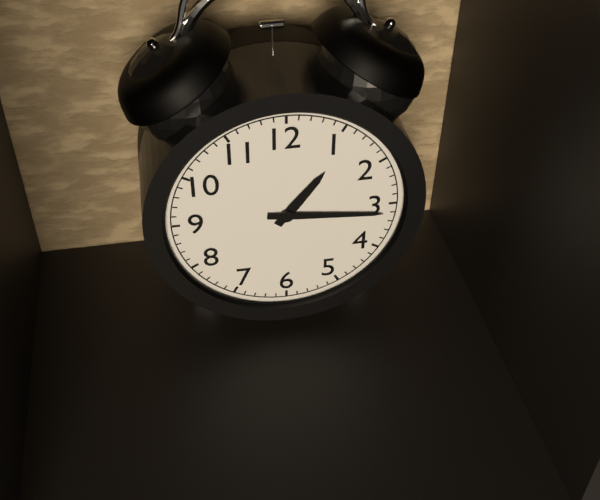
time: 1:16
